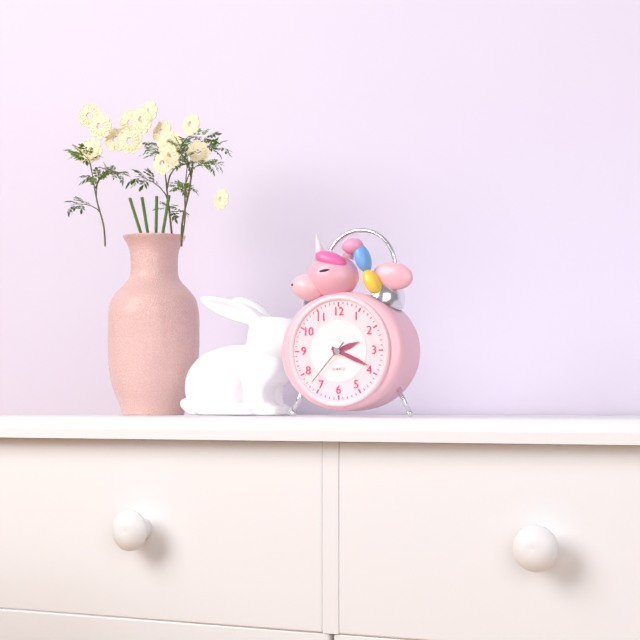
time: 2:19
